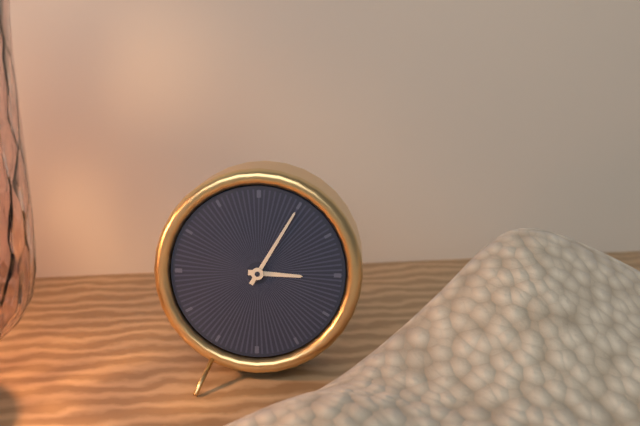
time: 3:05
